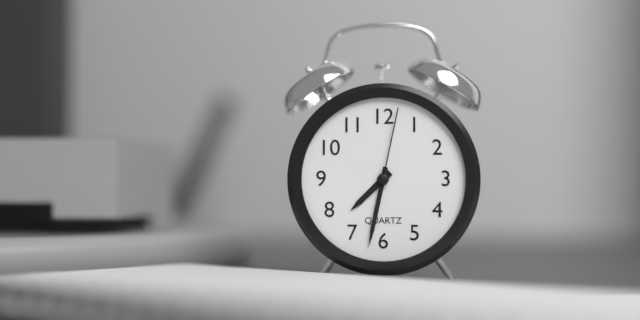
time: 7:32:02
